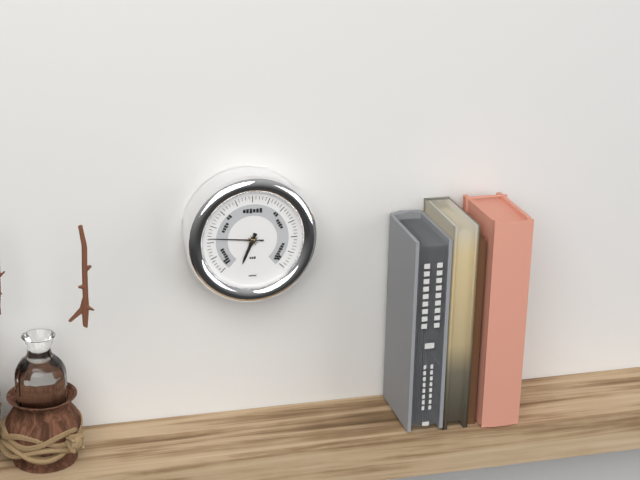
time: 6:46
